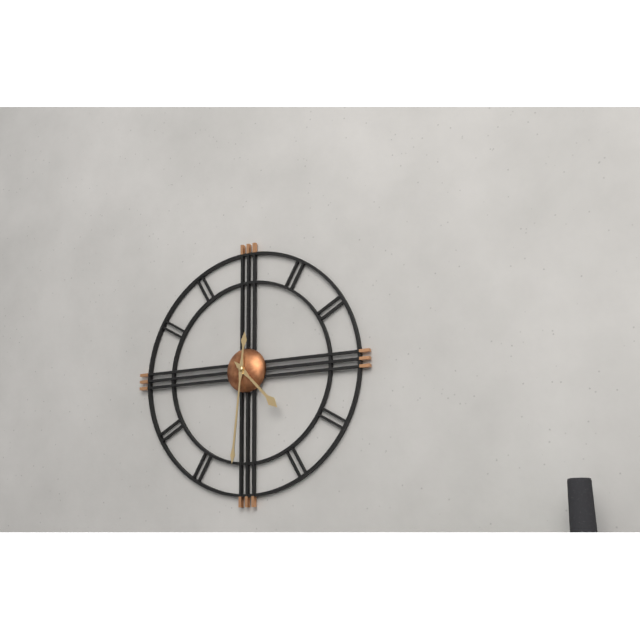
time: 4:31
